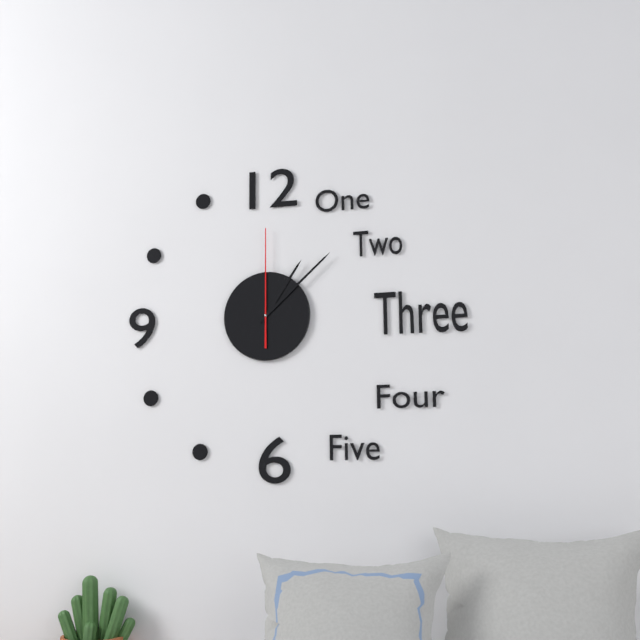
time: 1:08:00
